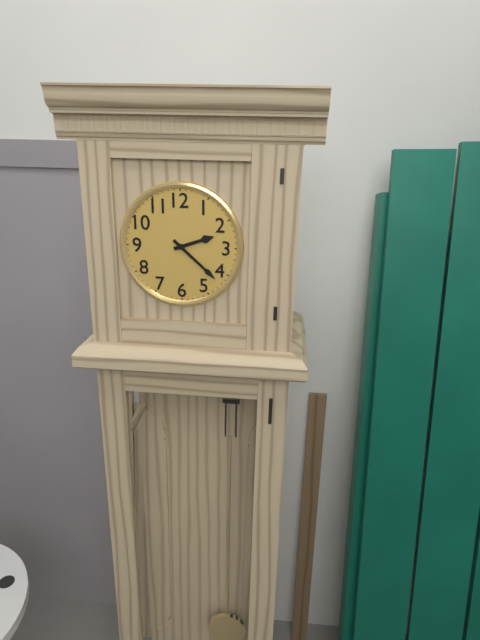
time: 2:22
